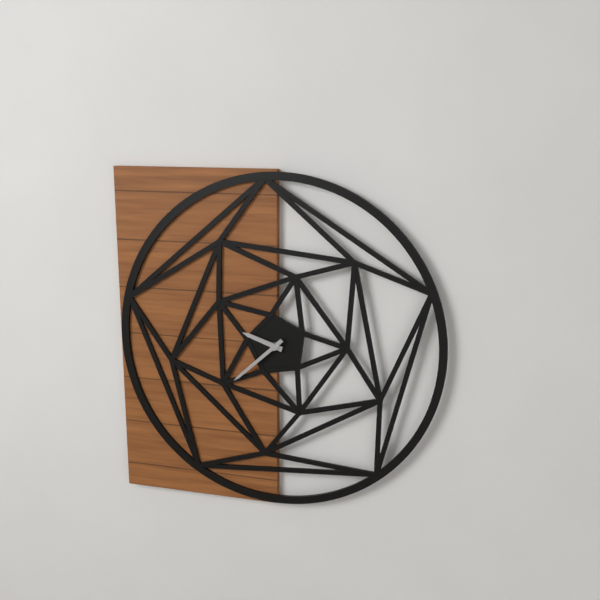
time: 9:38
